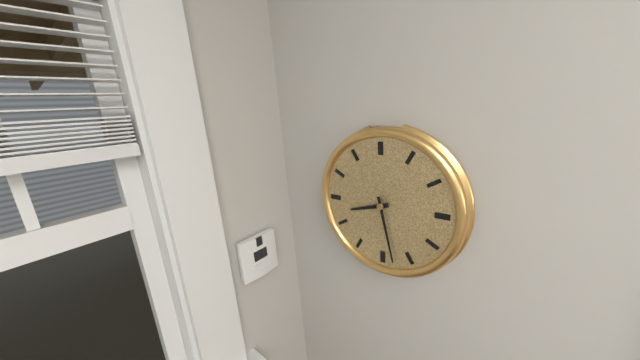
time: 8:28
